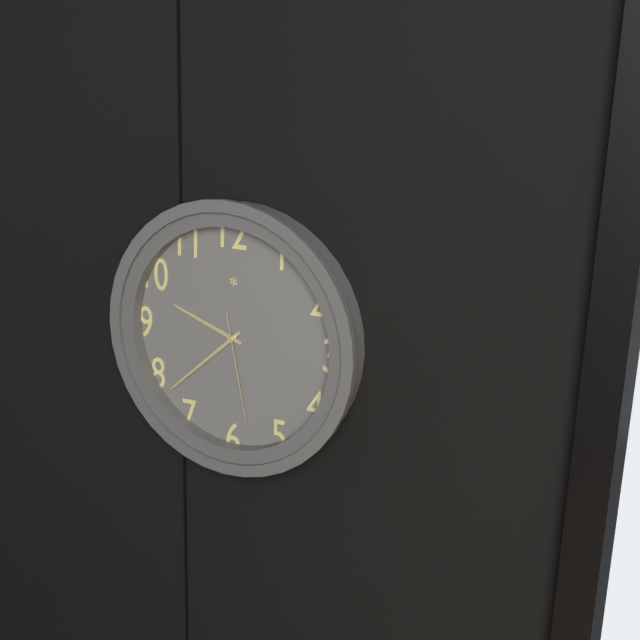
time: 9:38:28
